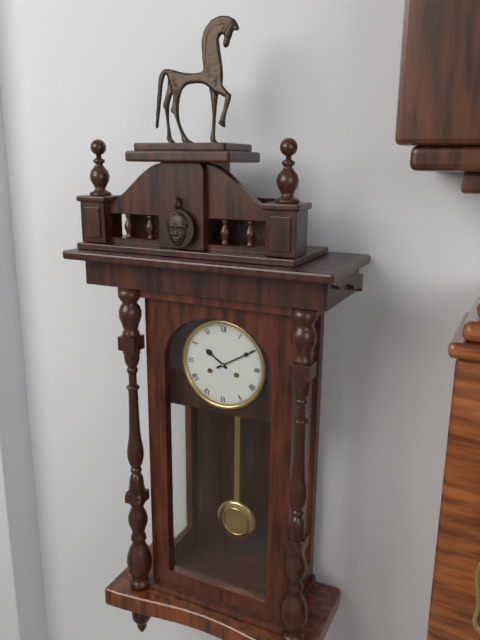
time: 10:10
